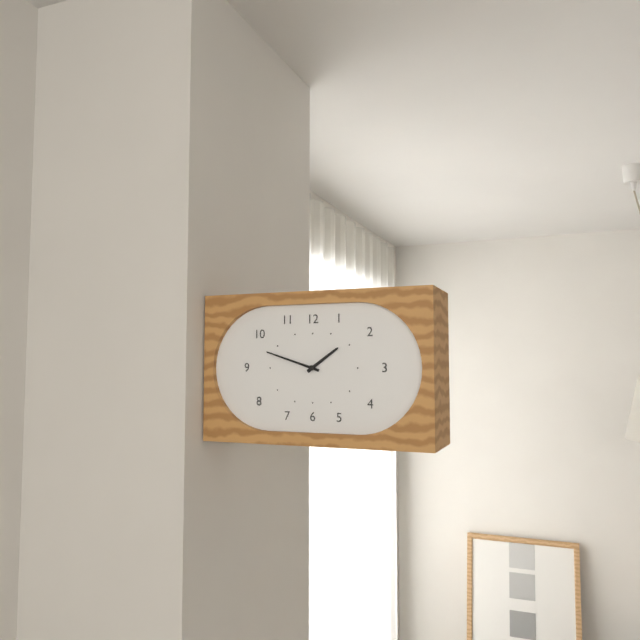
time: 1:48
